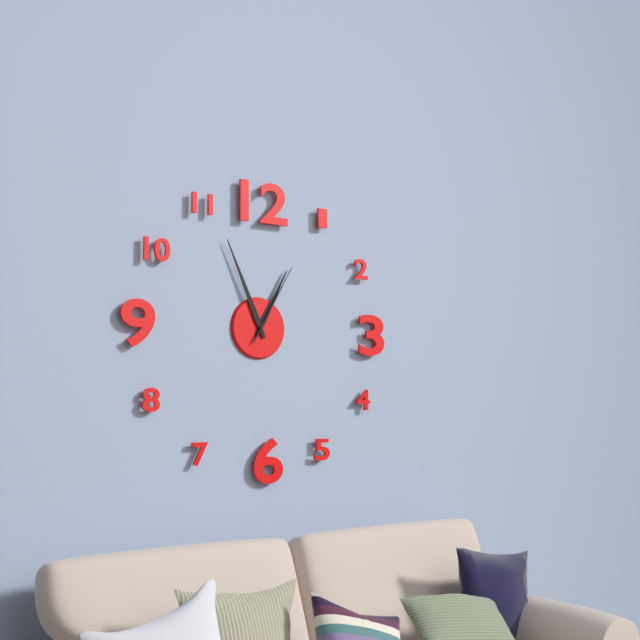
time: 12:56:05
